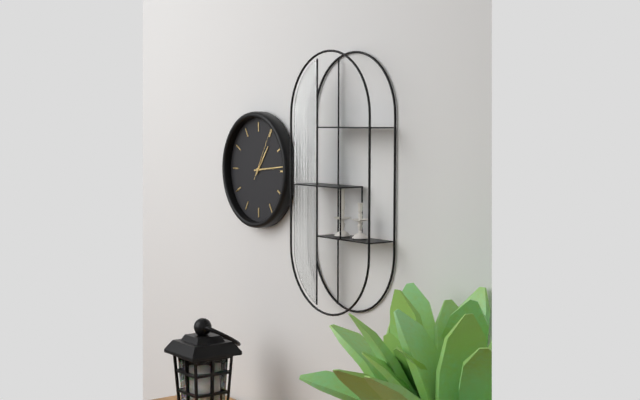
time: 1:14:05
